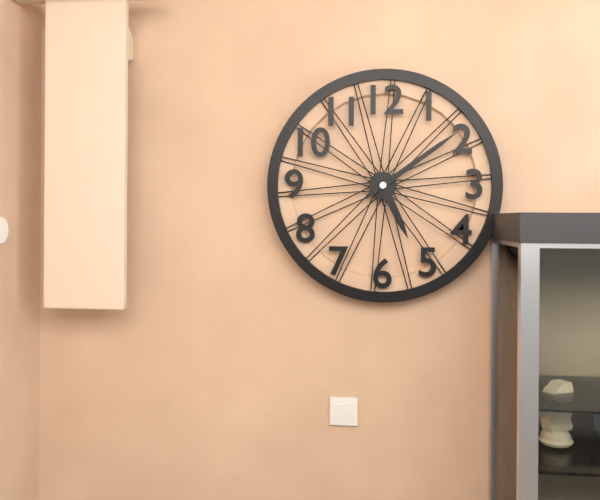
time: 5:09
